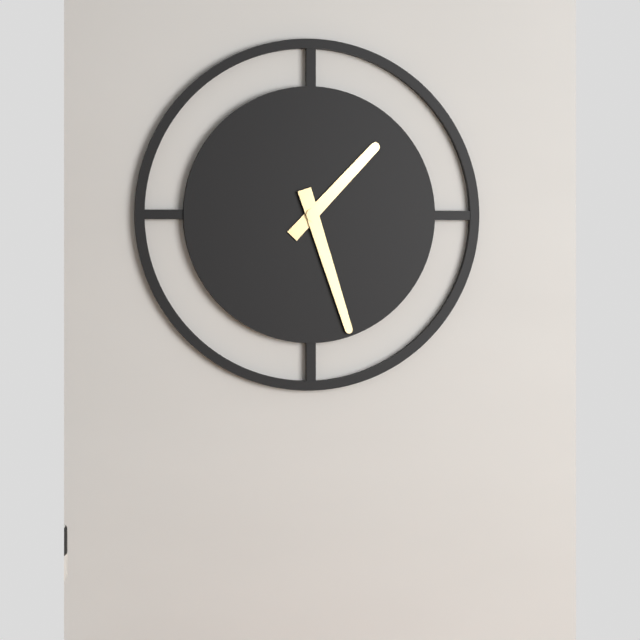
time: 1:27
